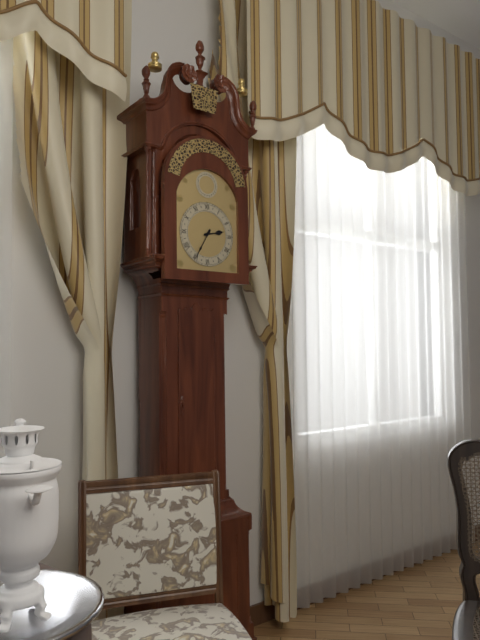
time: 2:35
